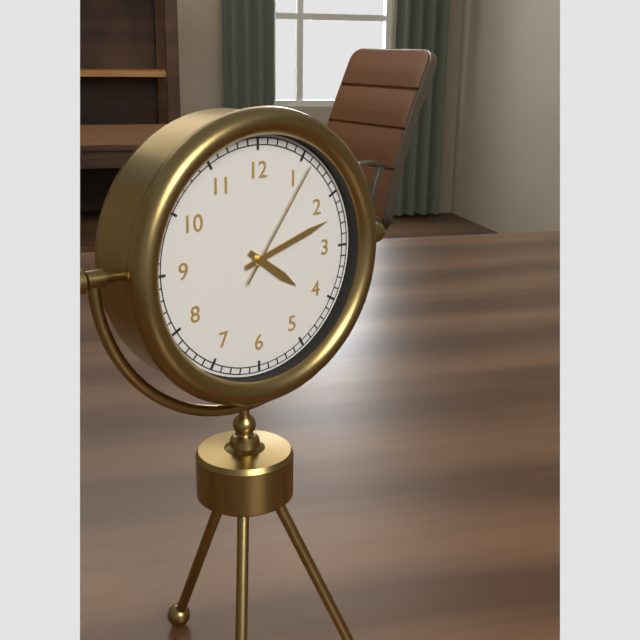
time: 4:12:06
